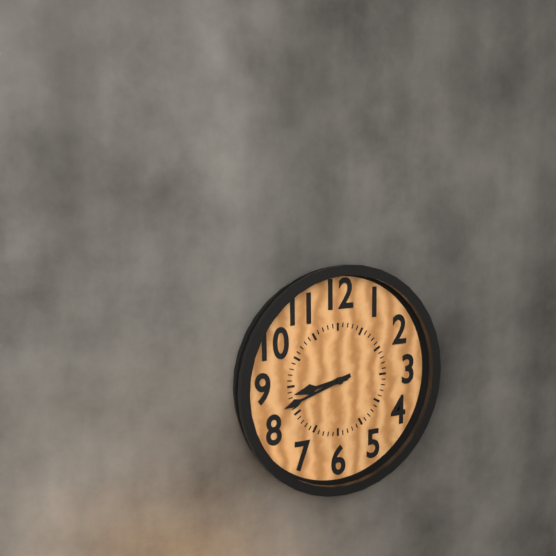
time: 8:42
